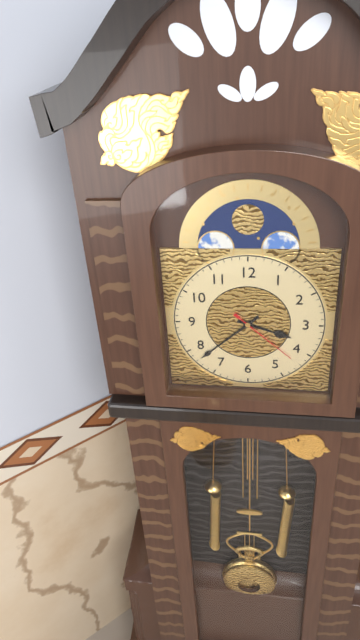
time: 3:38:22
